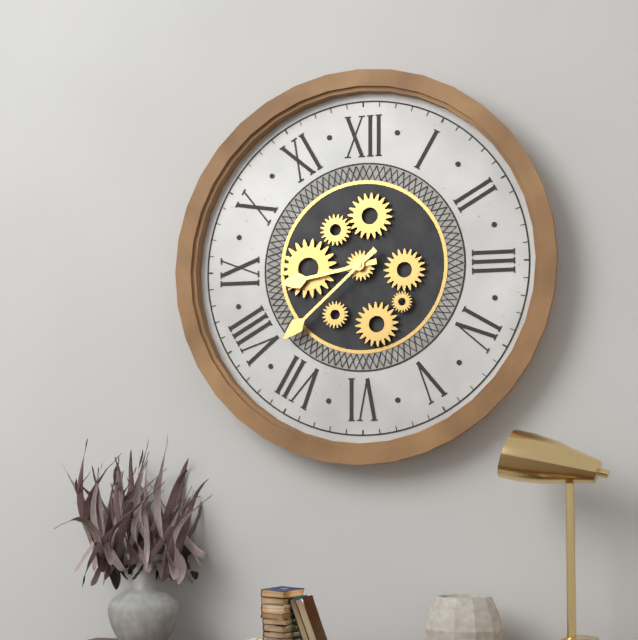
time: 8:38
